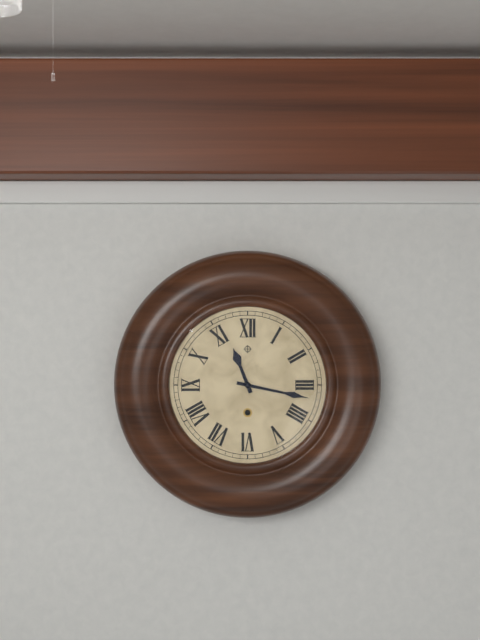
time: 11:17
